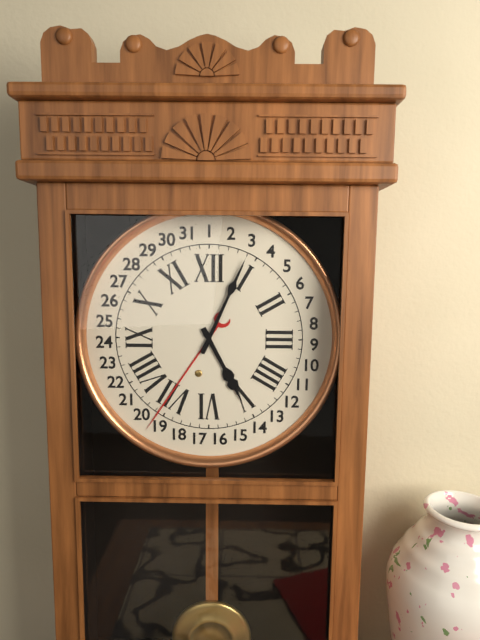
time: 5:04
